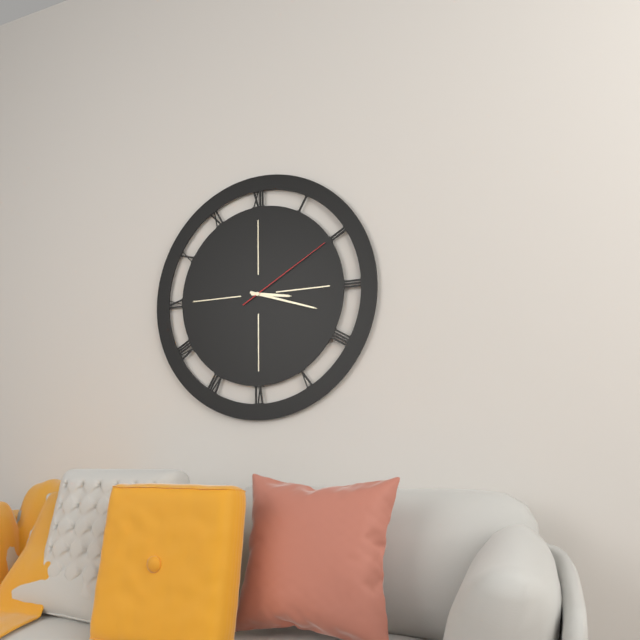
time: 3:18:10
